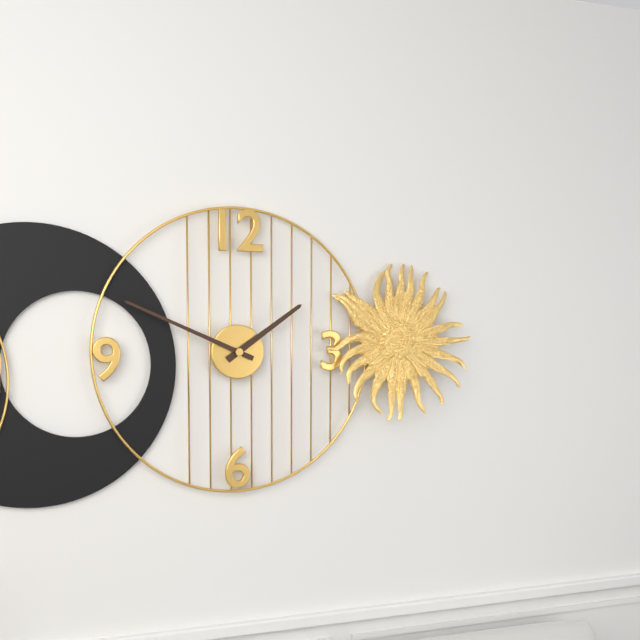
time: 1:49
